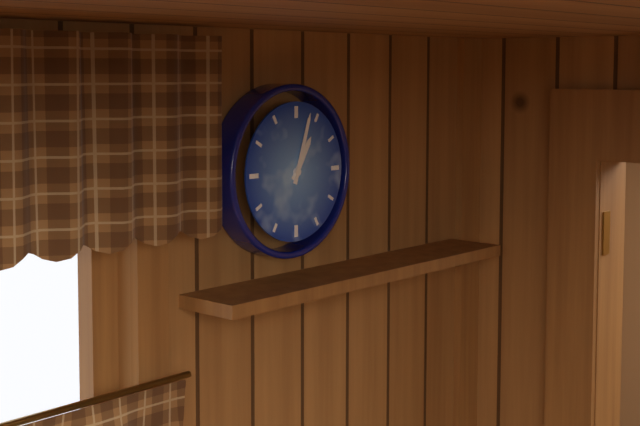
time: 1:03
